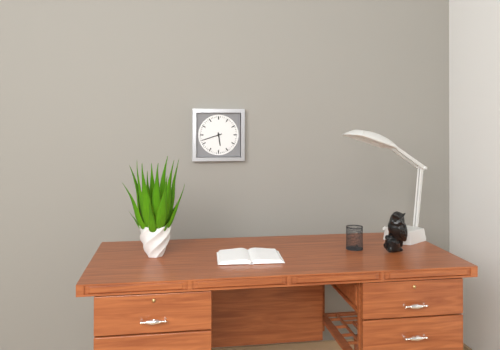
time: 5:42
